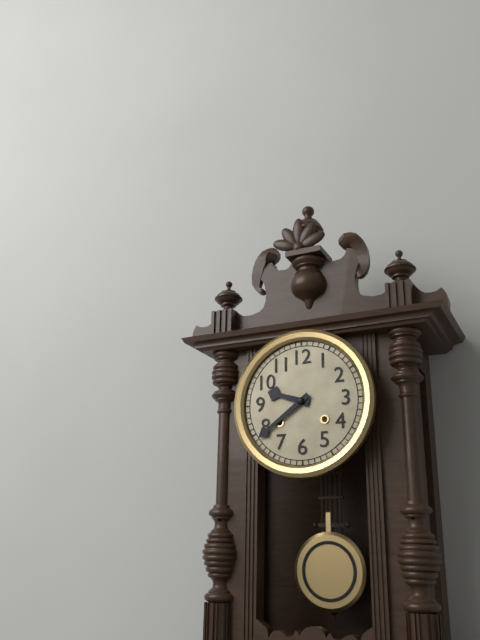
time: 9:39
